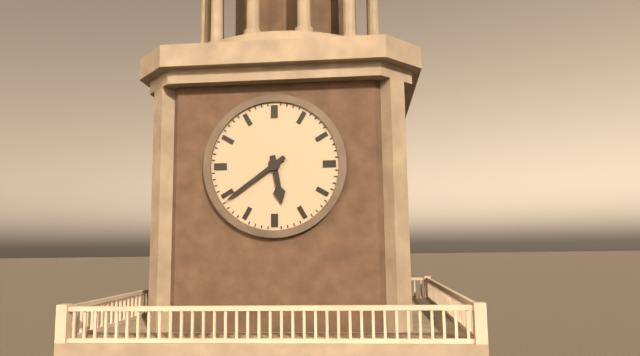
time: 5:39
